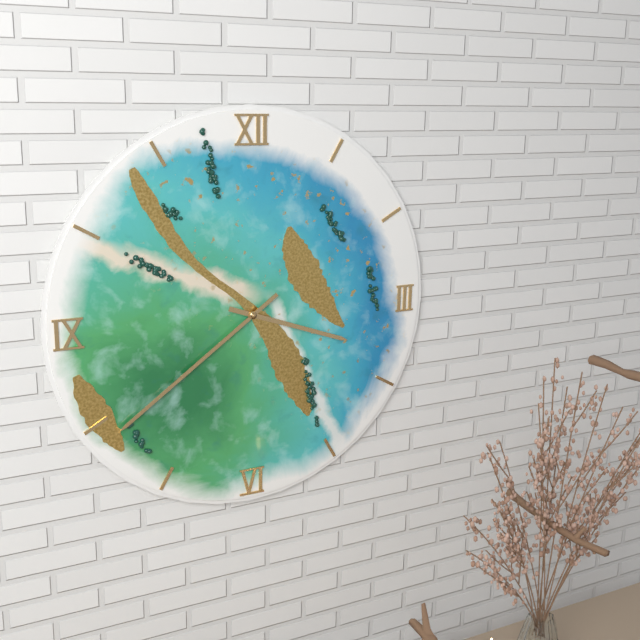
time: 3:39
